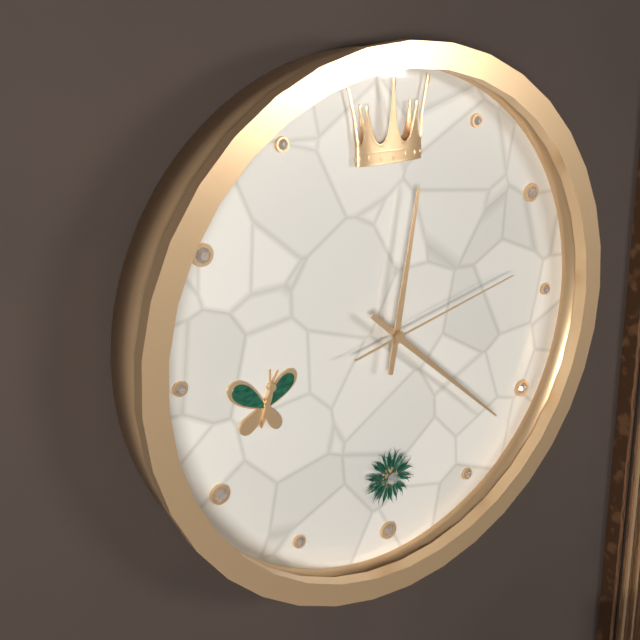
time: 12:22:13
